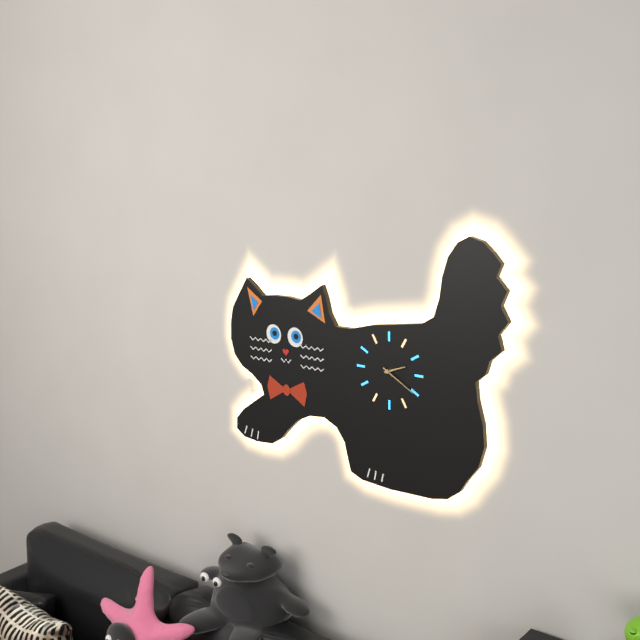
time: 2:20
